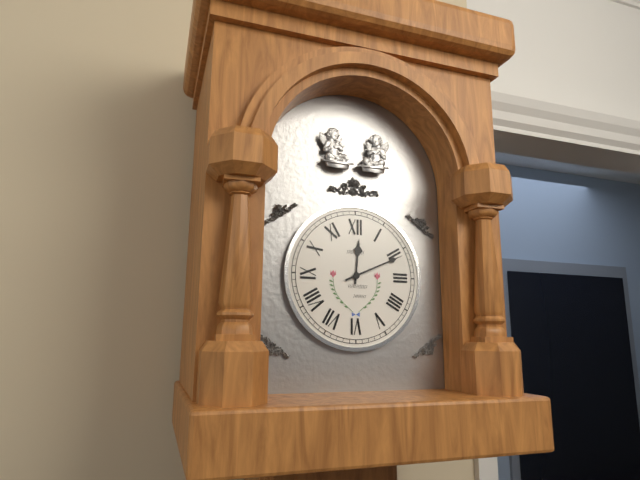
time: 12:11
